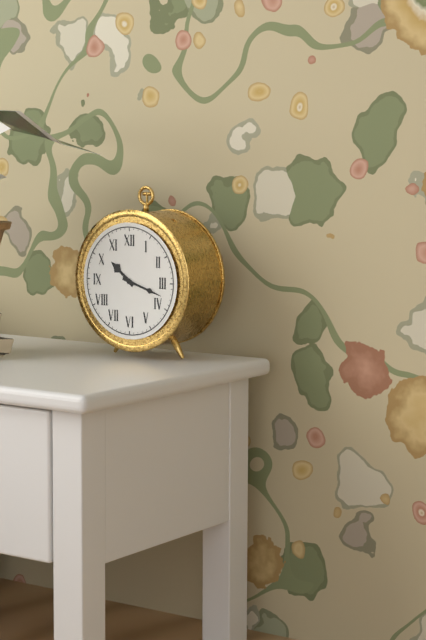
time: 10:18
